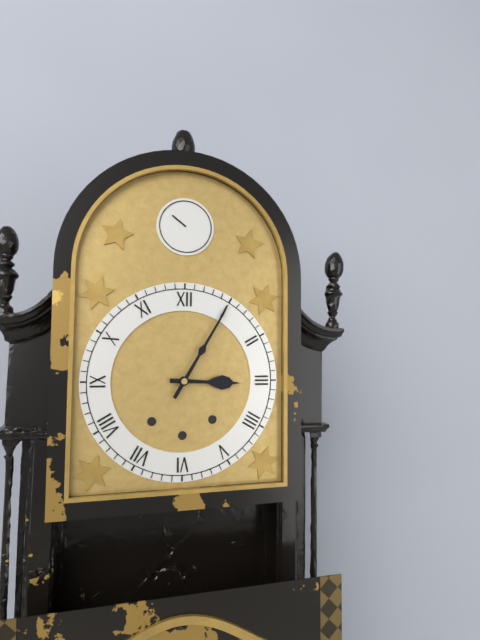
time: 3:05
